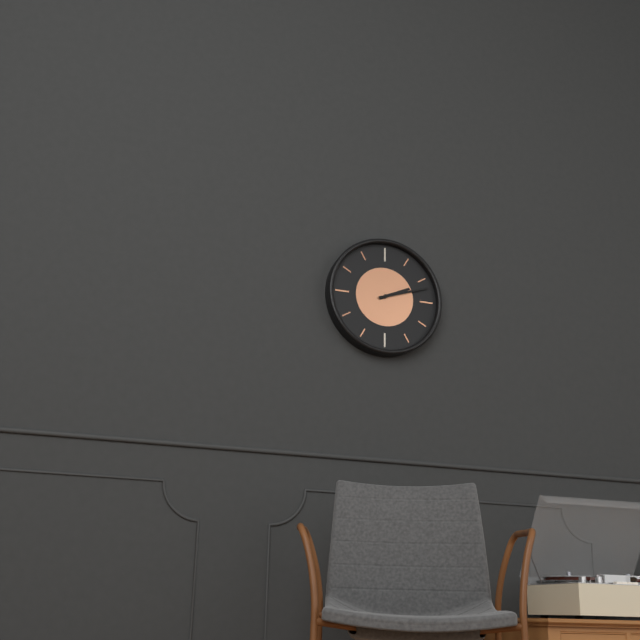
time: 2:12
